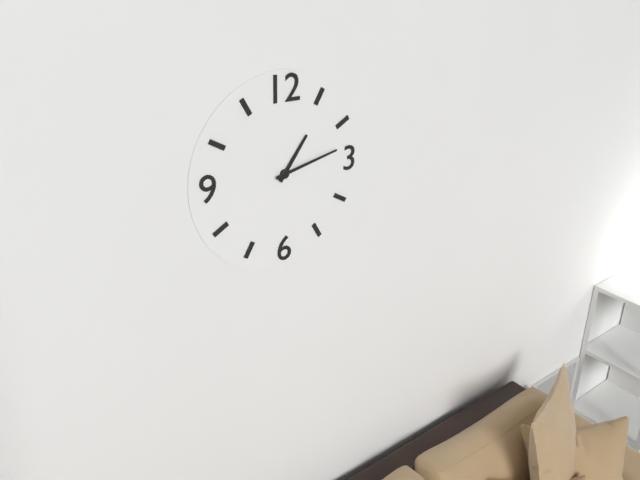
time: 1:13
